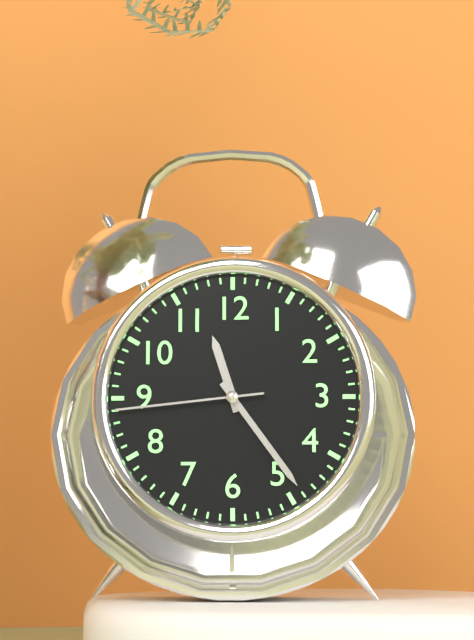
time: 11:24:44
